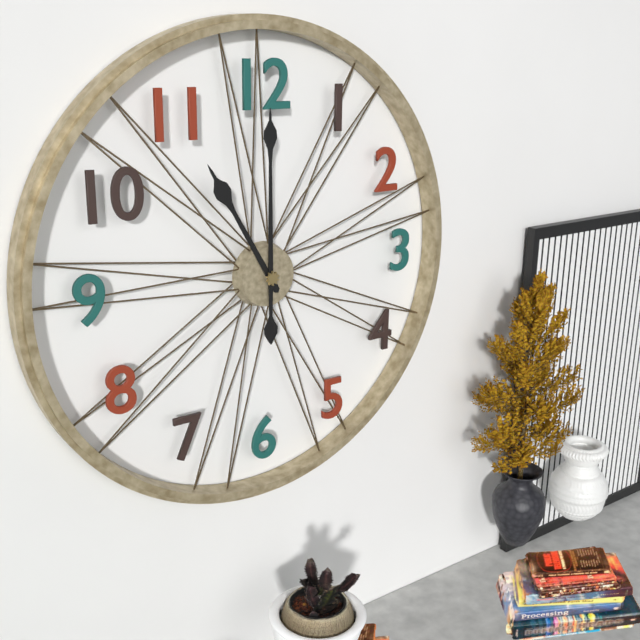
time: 11:00
